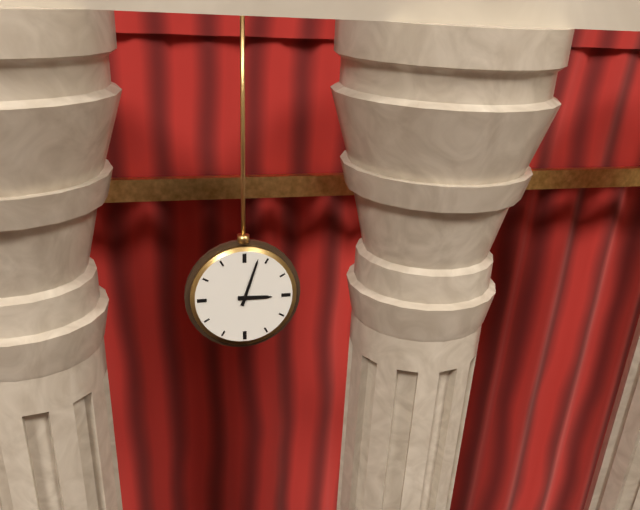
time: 3:03
